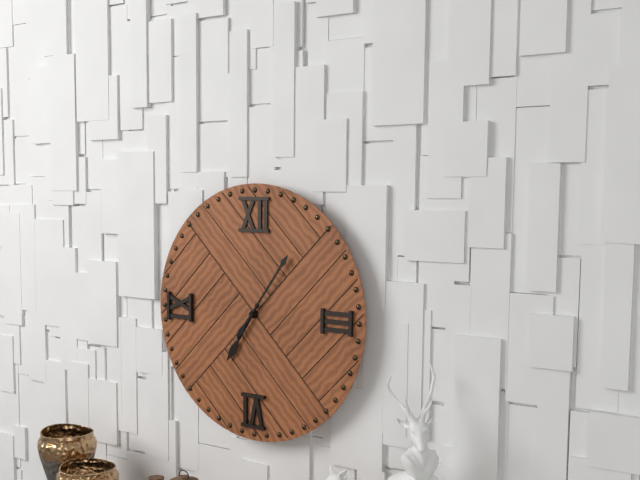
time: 7:06
